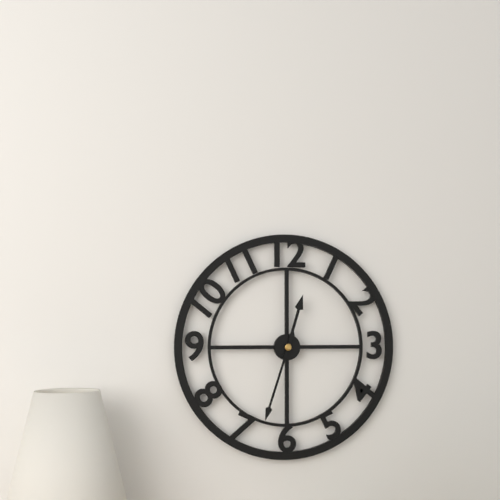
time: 12:33
